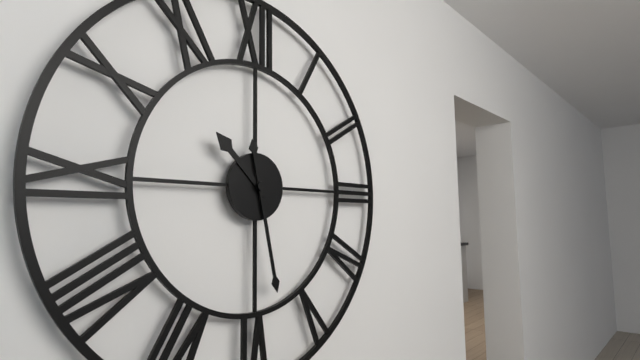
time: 10:28
